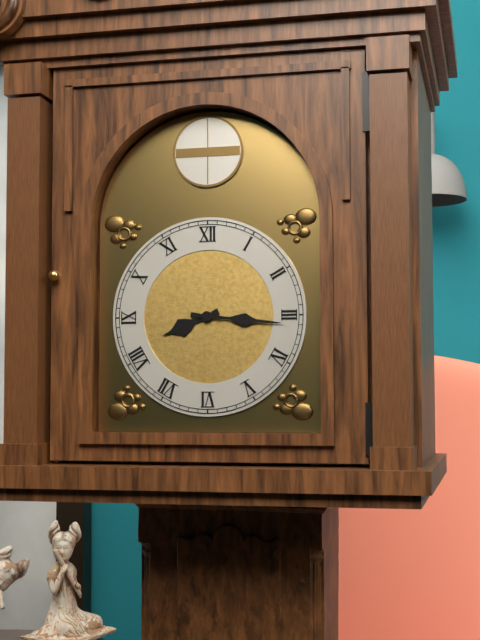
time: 8:16
